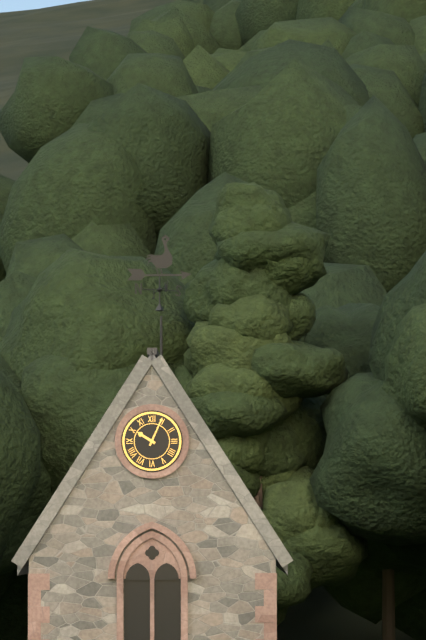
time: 10:04
